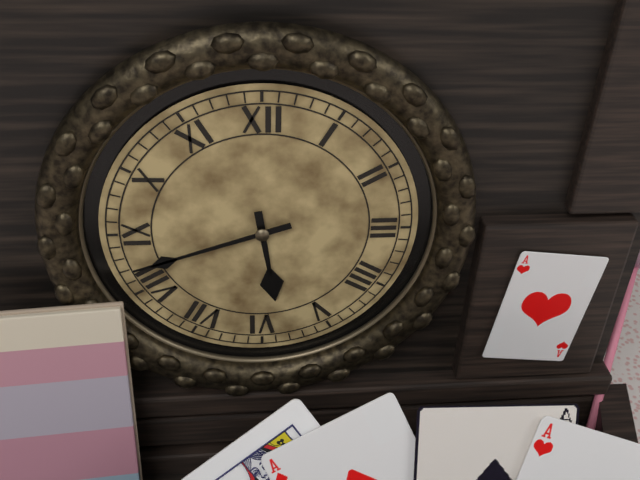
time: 5:42
